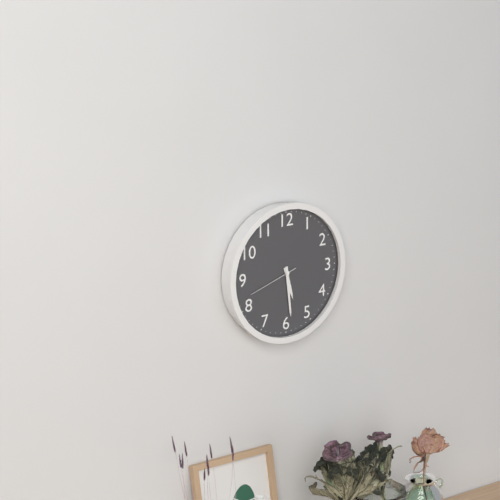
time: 5:29:42
